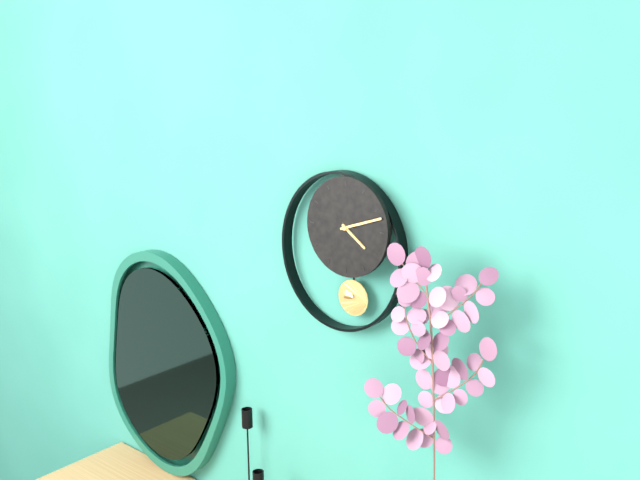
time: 4:12
